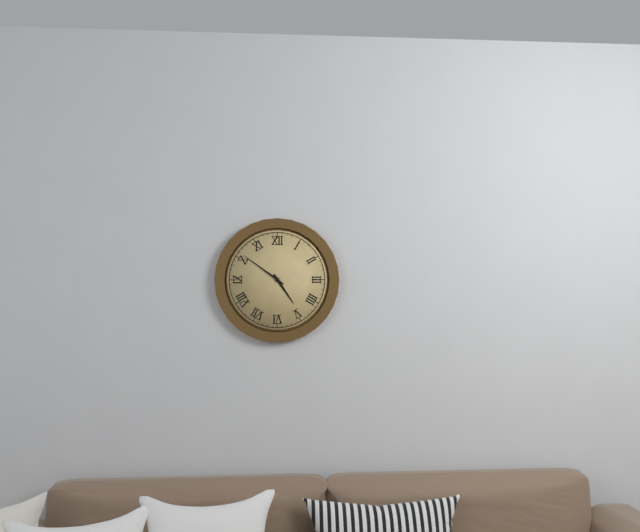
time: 4:51
